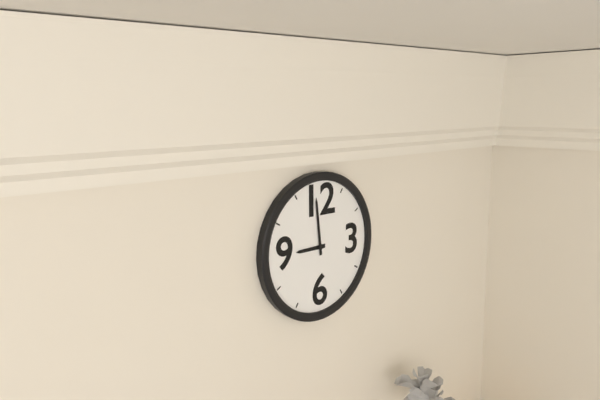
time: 8:59
